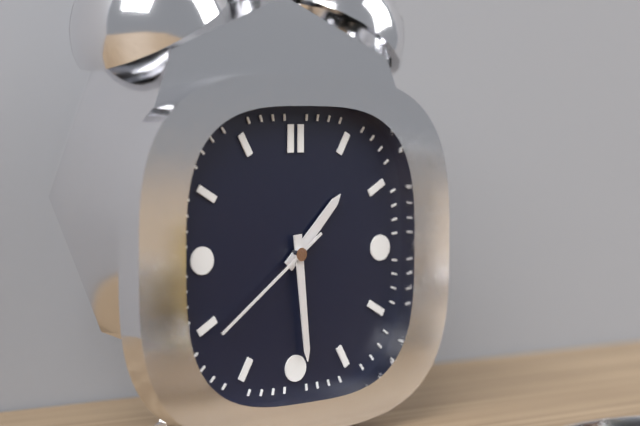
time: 1:29:39
